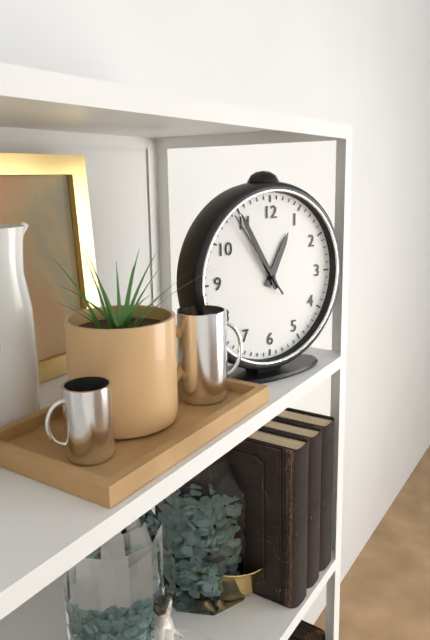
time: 12:55:54
